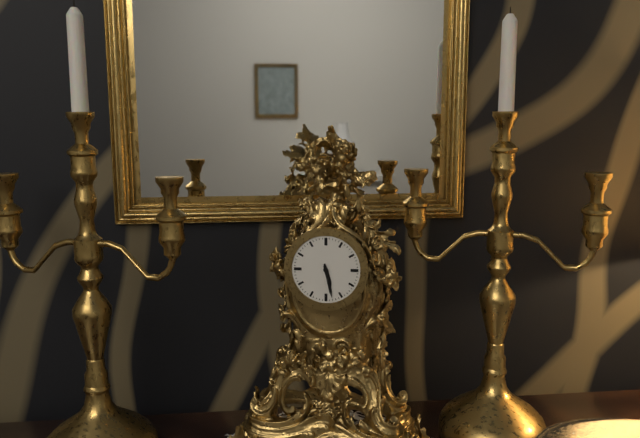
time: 5:28
